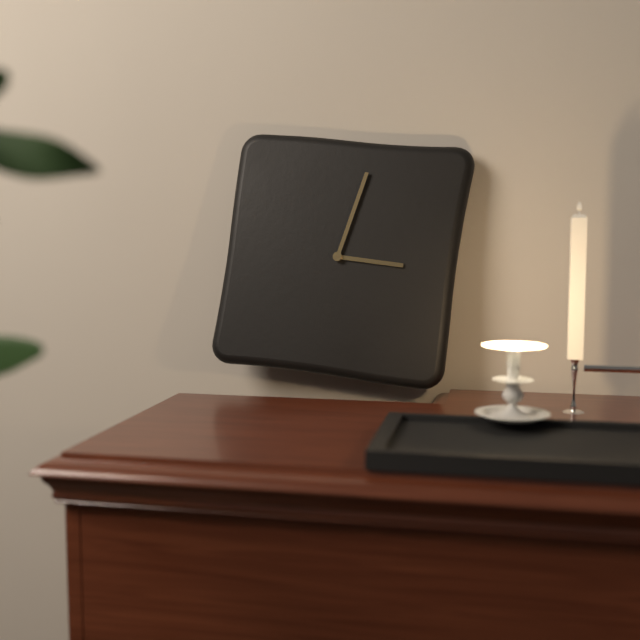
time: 3:02
